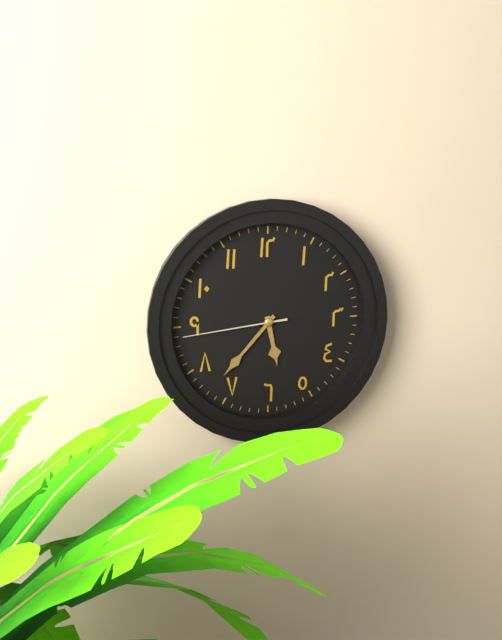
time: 5:37:44
